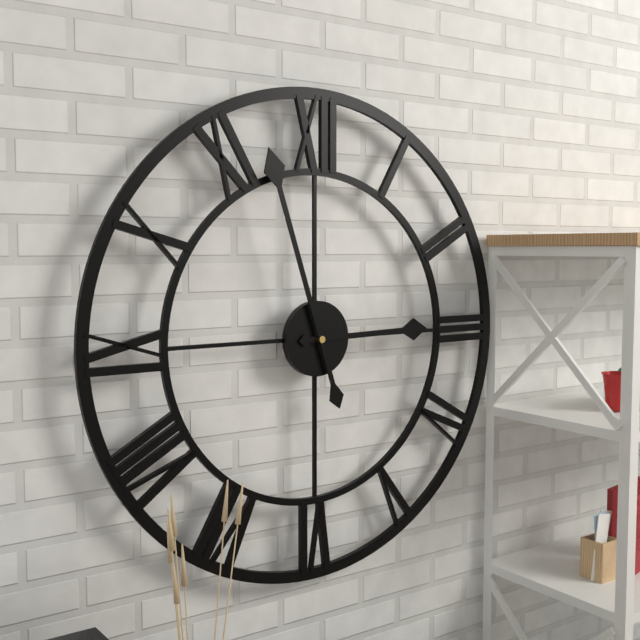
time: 2:57
